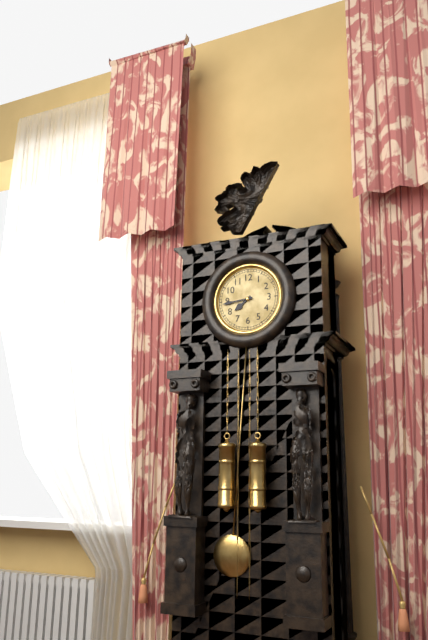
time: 7:44
